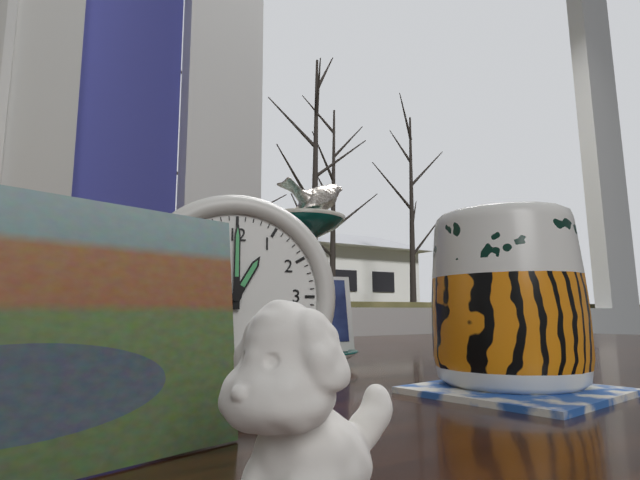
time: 1:00
